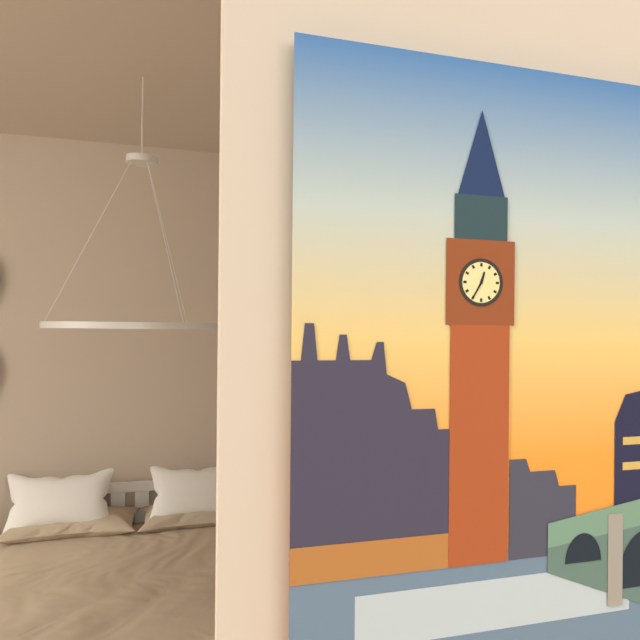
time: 12:35
